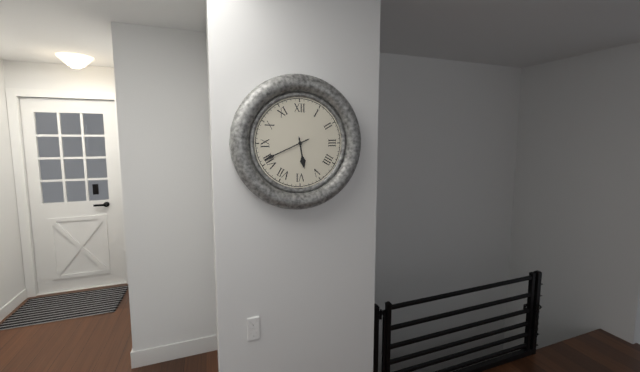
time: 5:41
